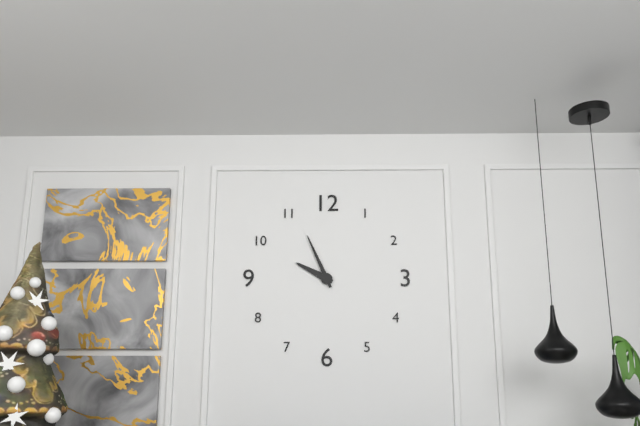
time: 9:56
